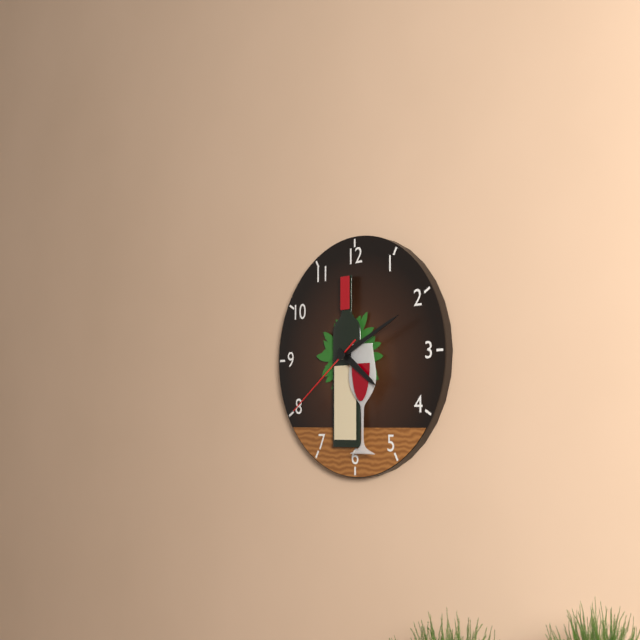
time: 4:11:39
